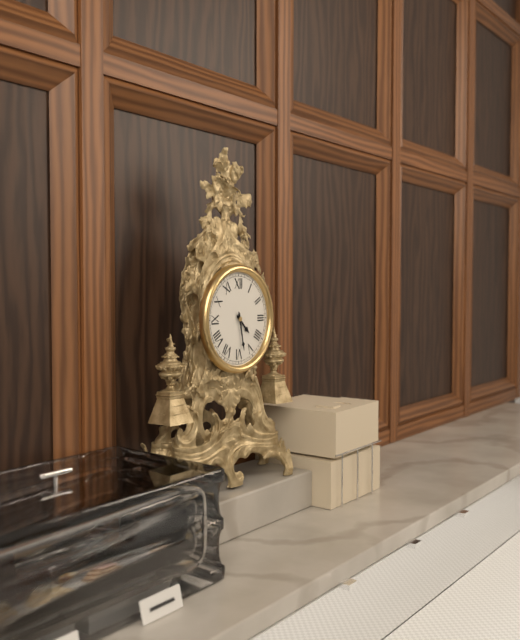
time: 4:28
